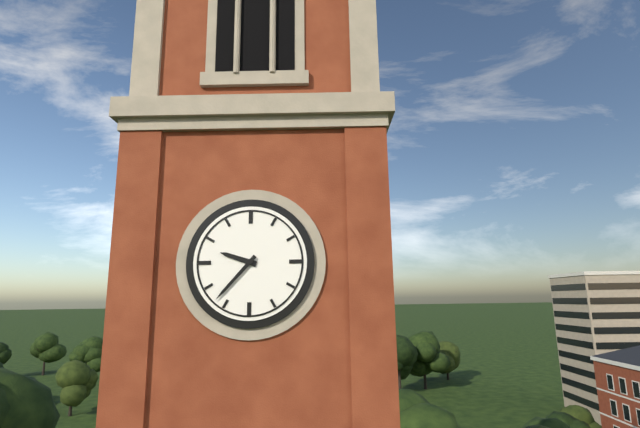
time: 9:37
